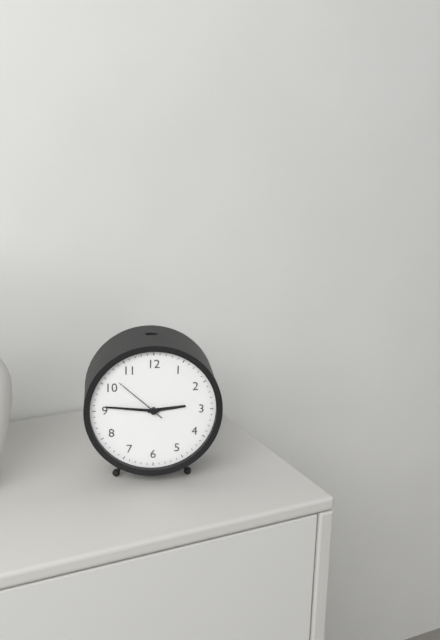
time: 2:46:52
